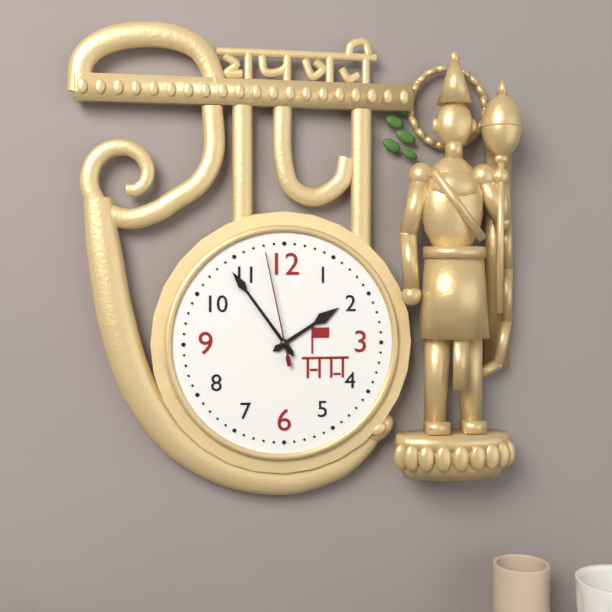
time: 1:54:58
